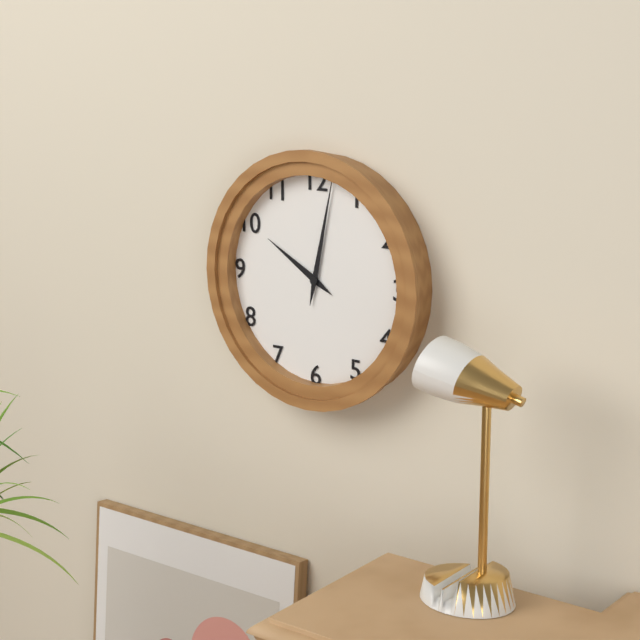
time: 10:02
